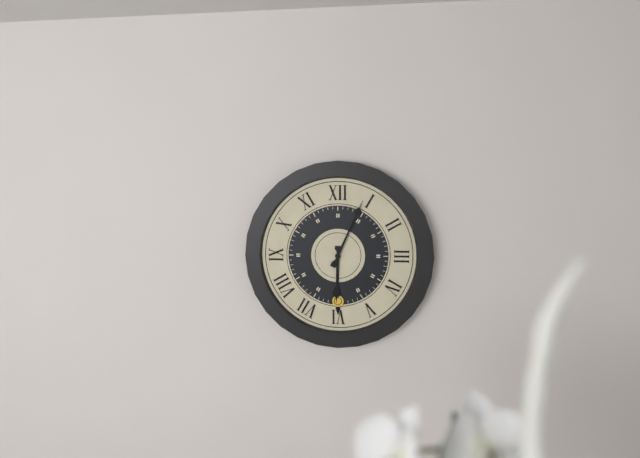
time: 6:04
